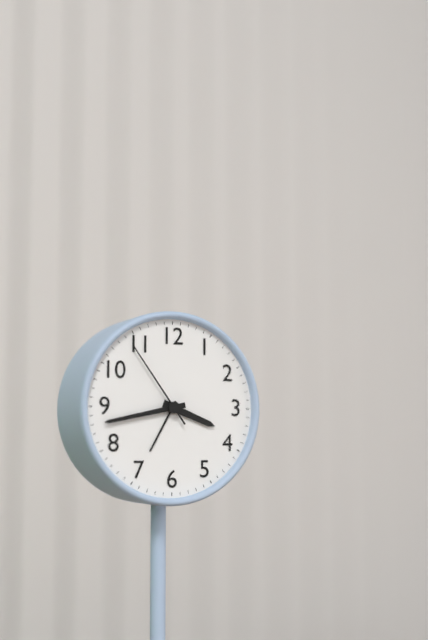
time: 3:43:54
